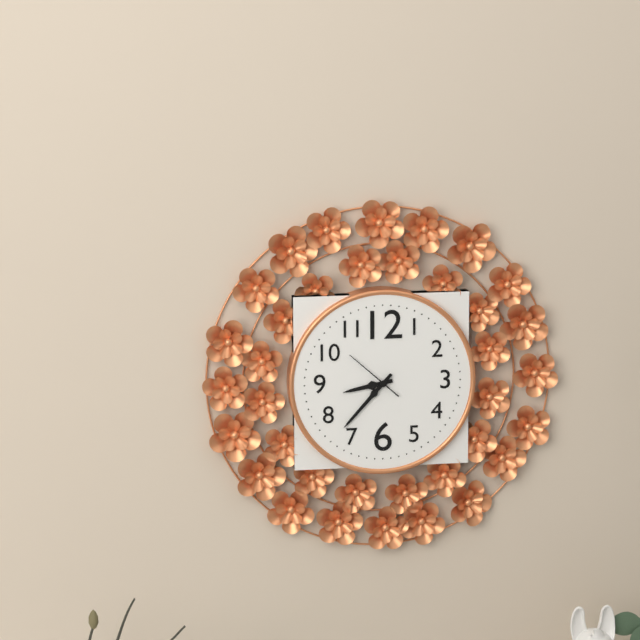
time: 8:37:52
